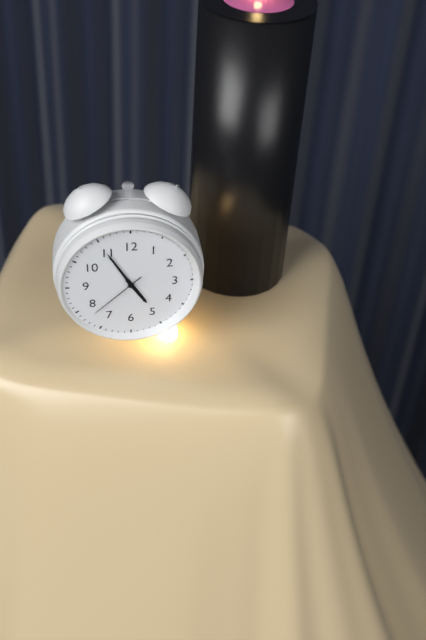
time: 4:55:38
